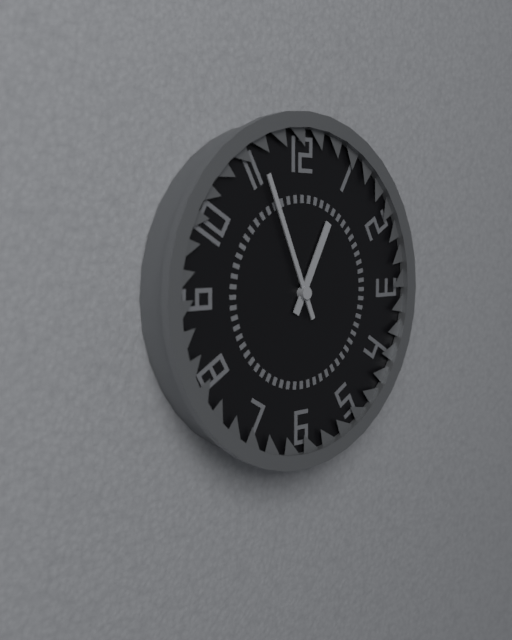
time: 12:56
